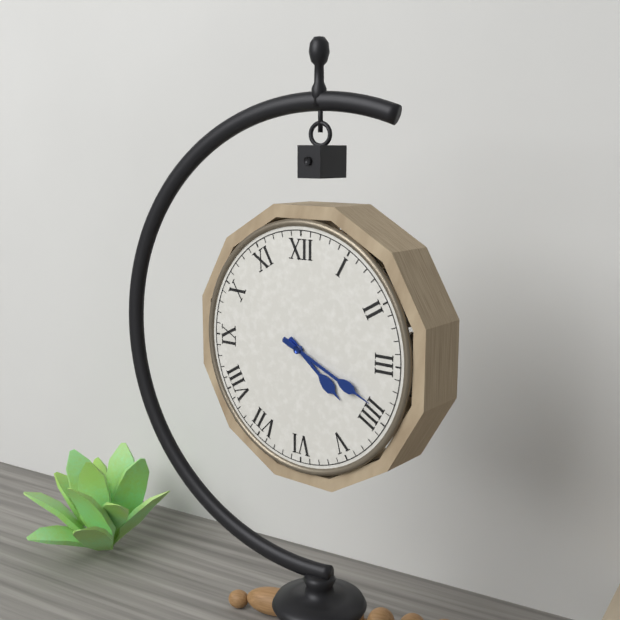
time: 4:19
